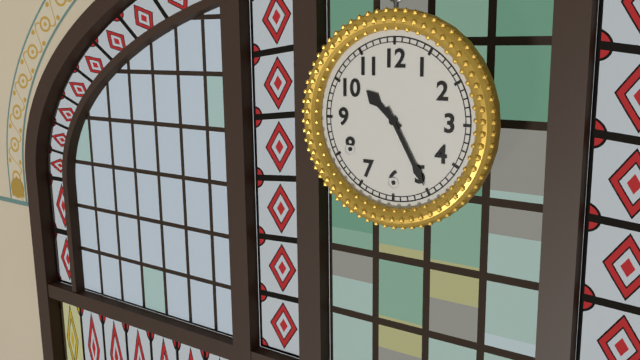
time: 10:25
